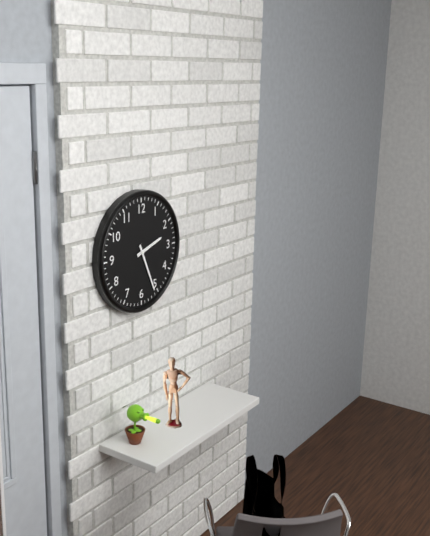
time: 2:26
